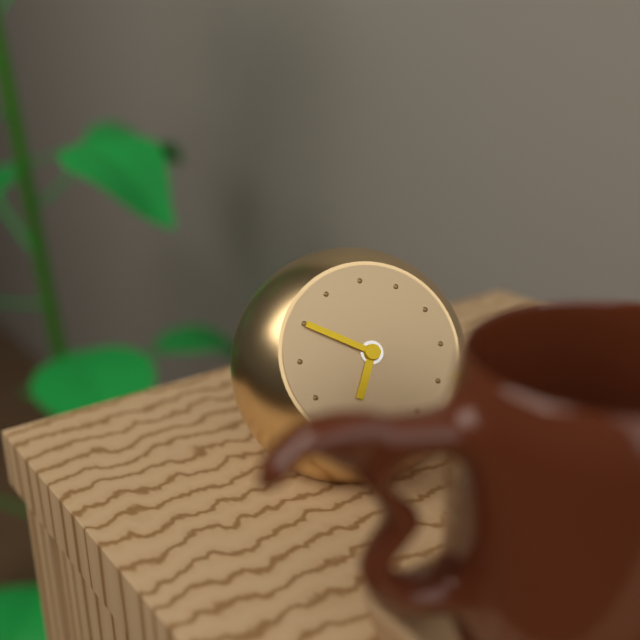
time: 6:50
